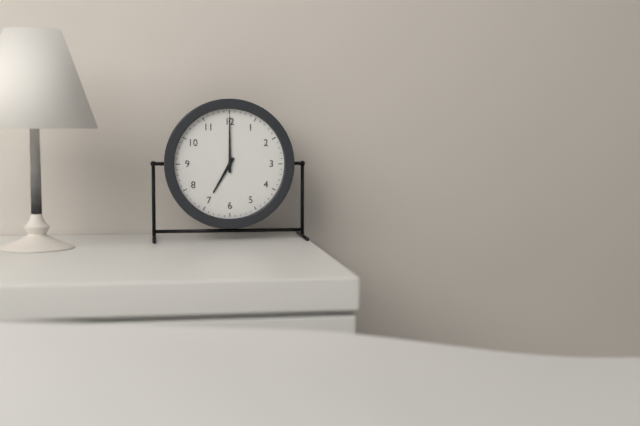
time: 7:00
